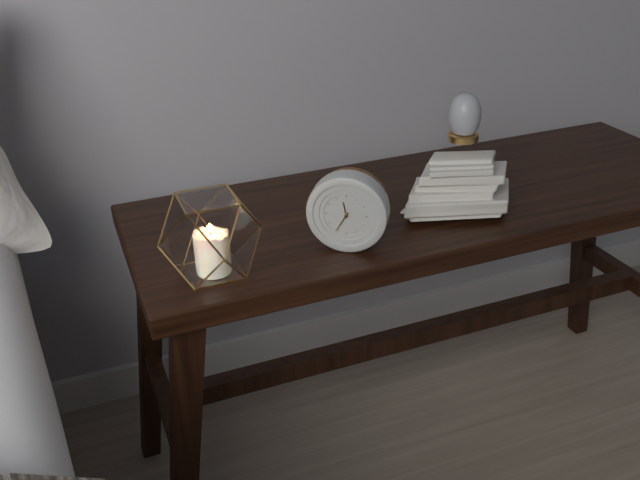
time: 11:35
